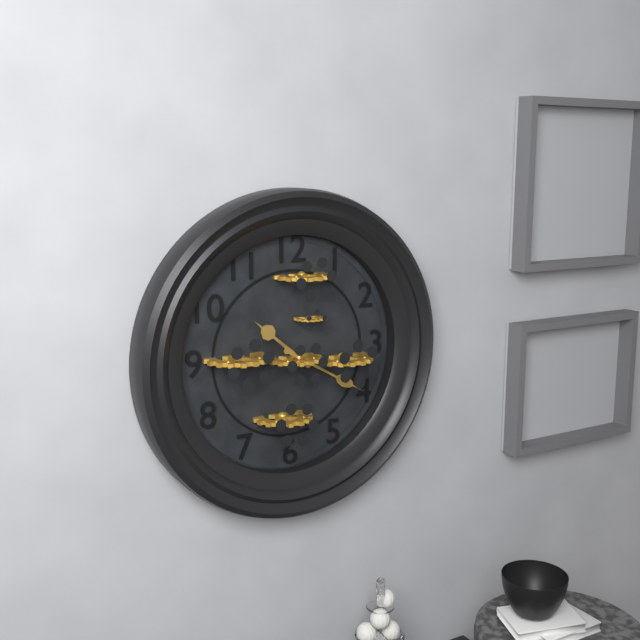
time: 10:20
